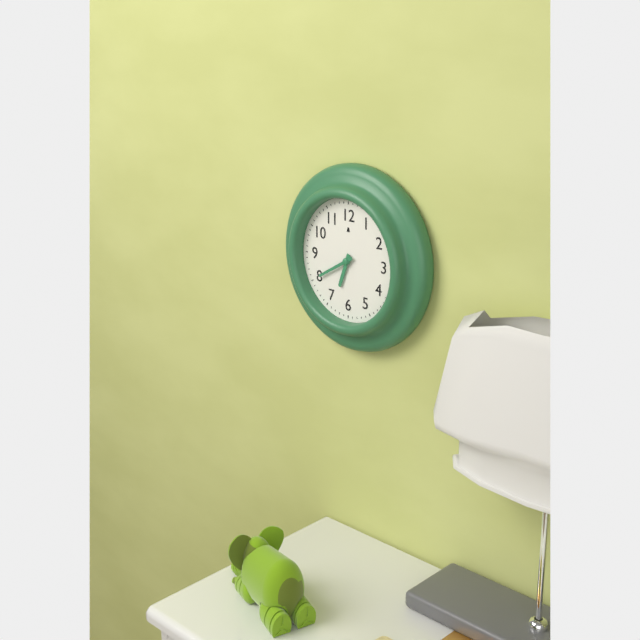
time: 6:40
